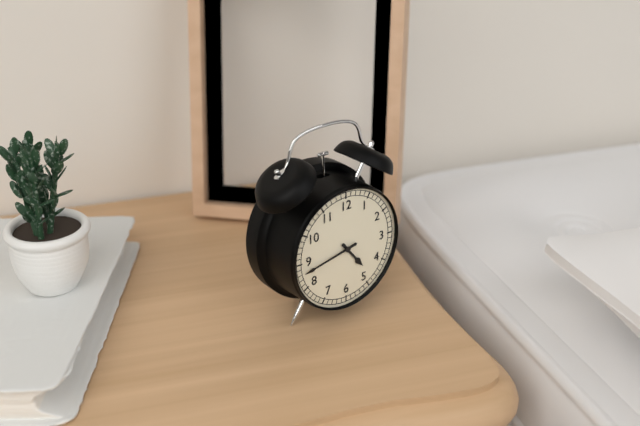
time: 4:43
